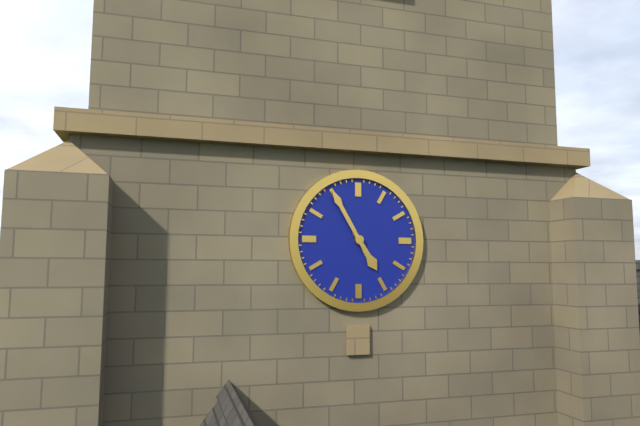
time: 4:55
